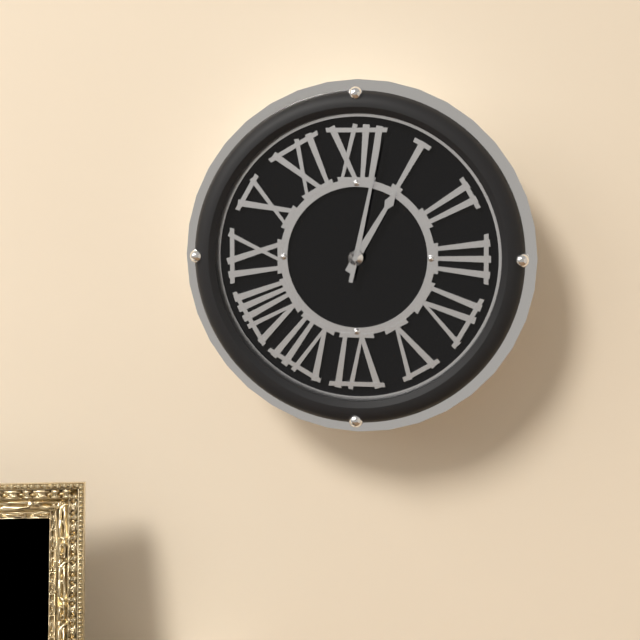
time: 1:02
